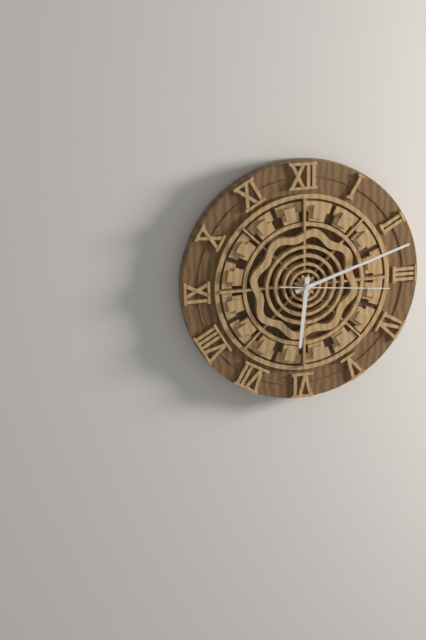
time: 6:12:16
